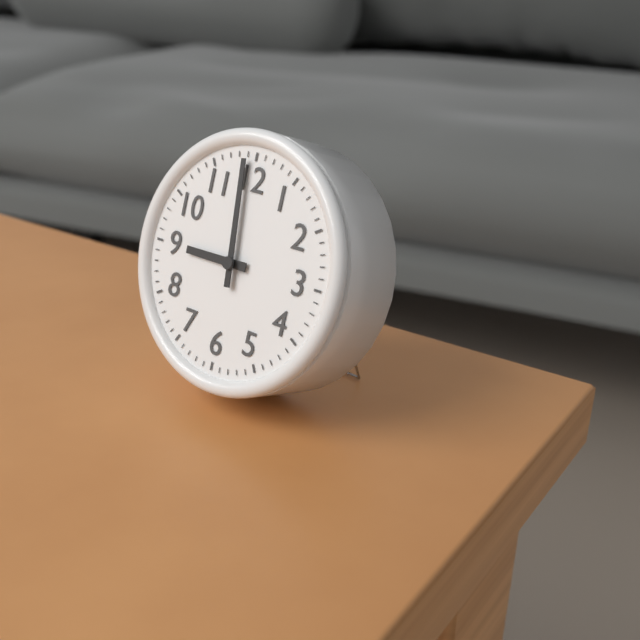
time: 8:59
